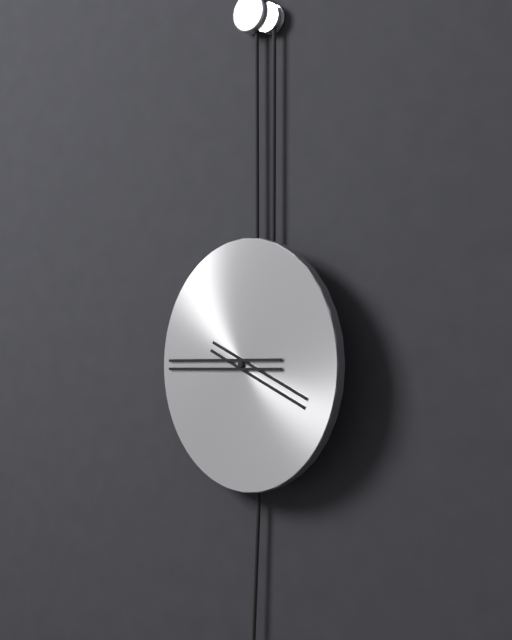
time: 3:45
